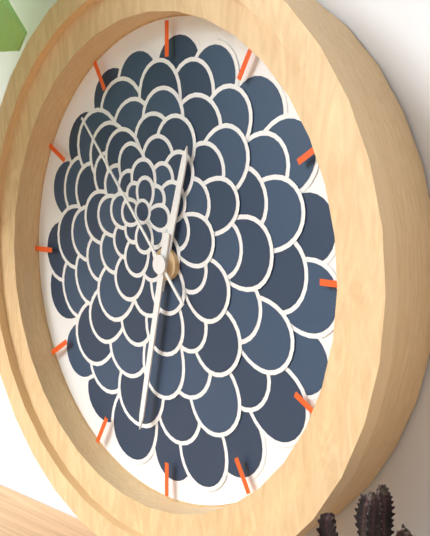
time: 12:32:53
